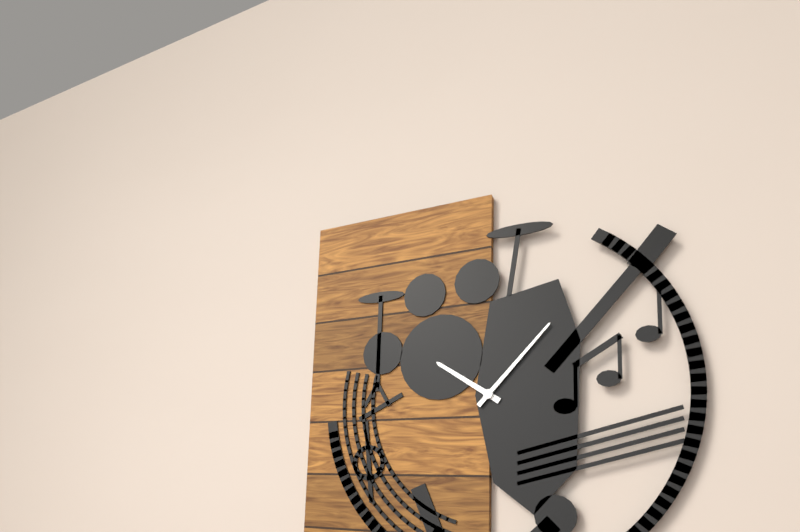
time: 10:07
